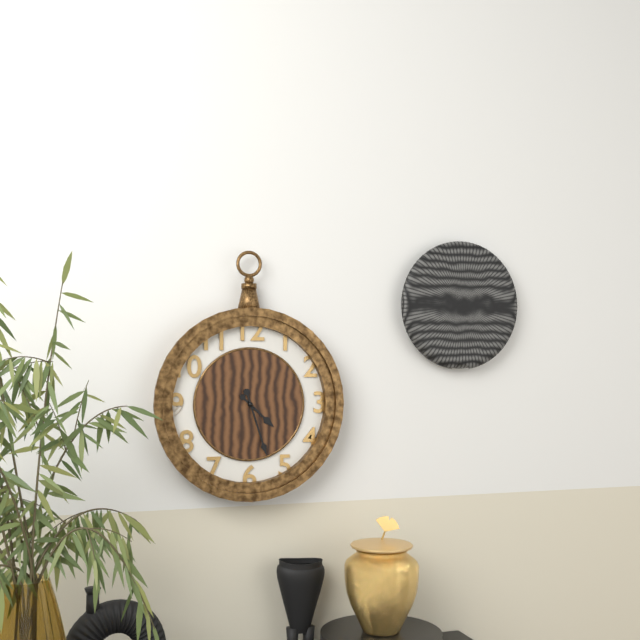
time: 4:27
